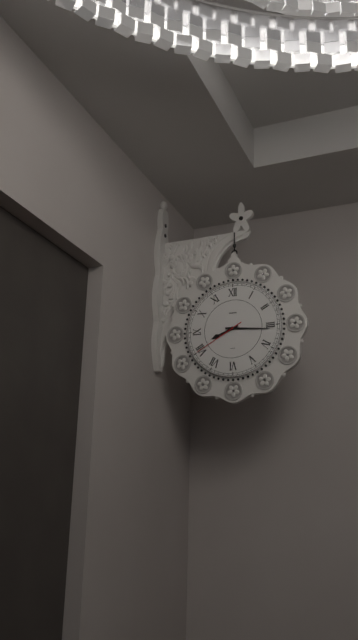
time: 8:16:40
